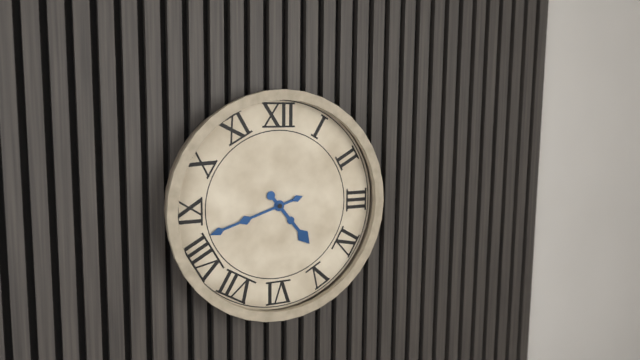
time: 4:42
